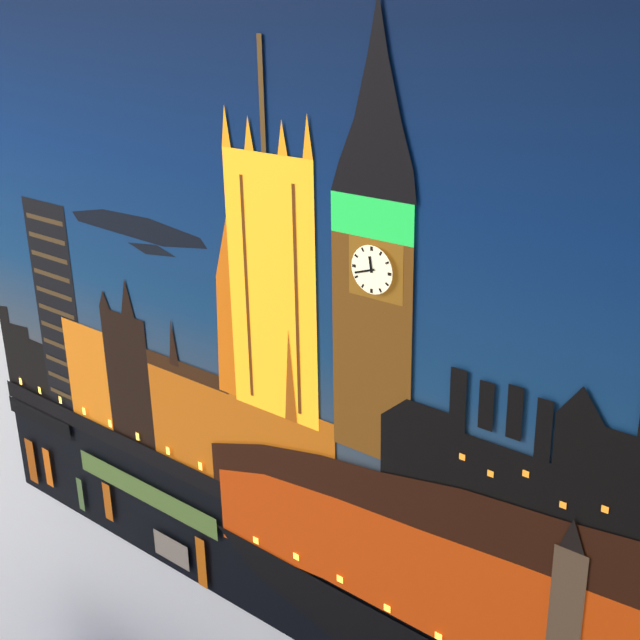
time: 11:42
